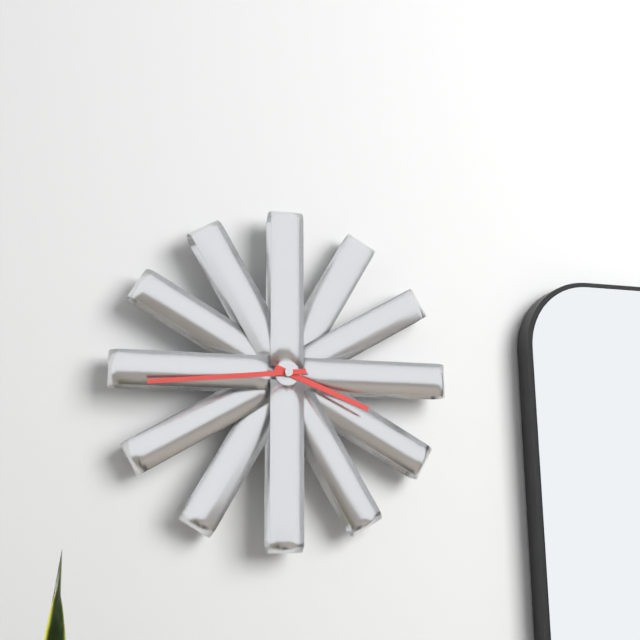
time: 3:44
